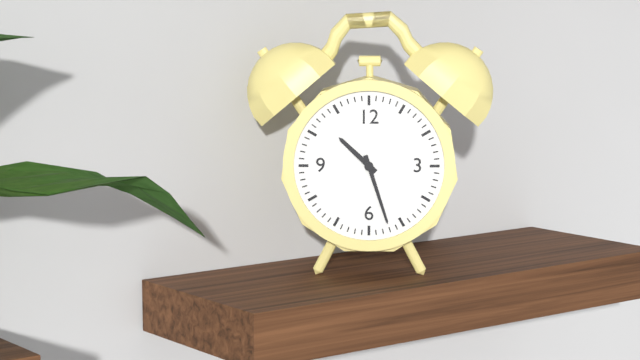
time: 10:27
